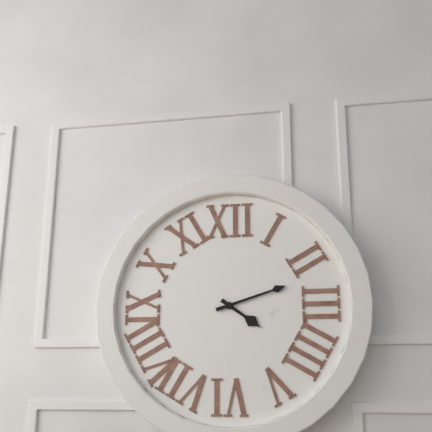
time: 4:12
